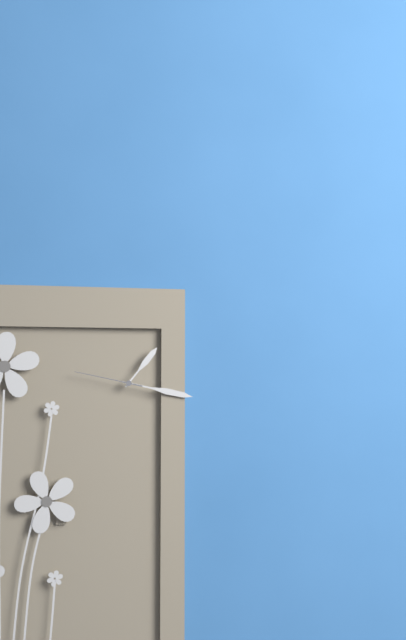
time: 1:17:47
